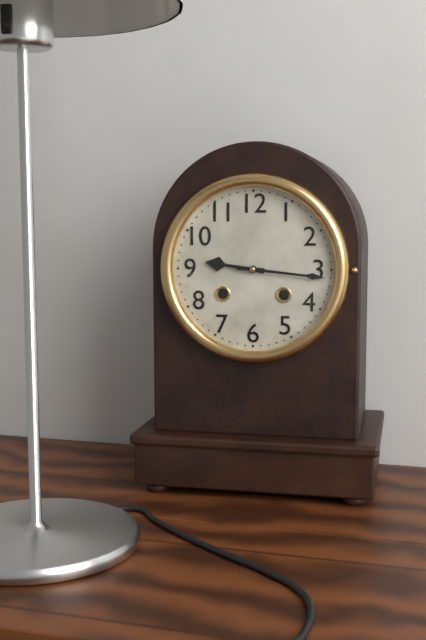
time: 9:16
